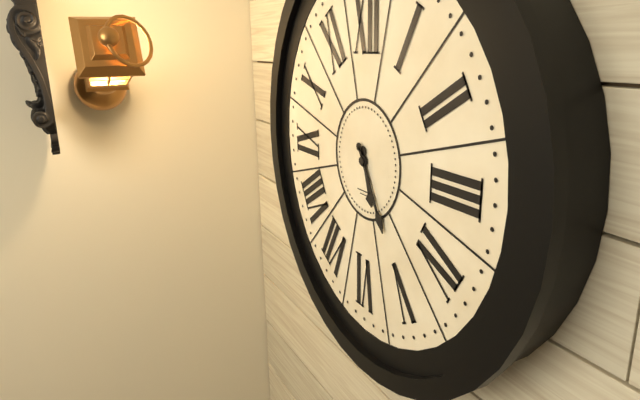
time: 5:25
